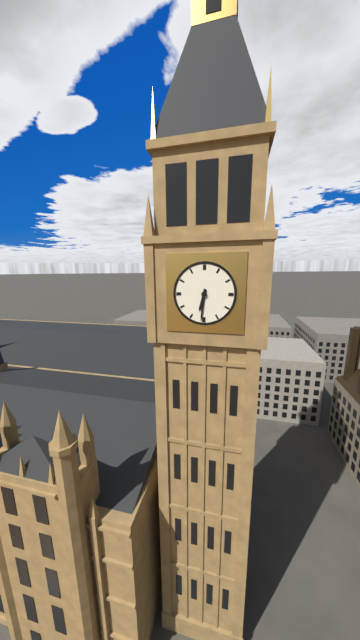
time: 6:31
